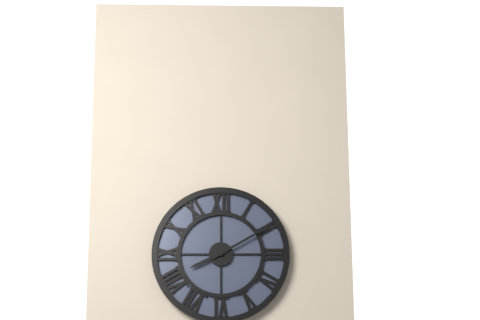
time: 8:10
